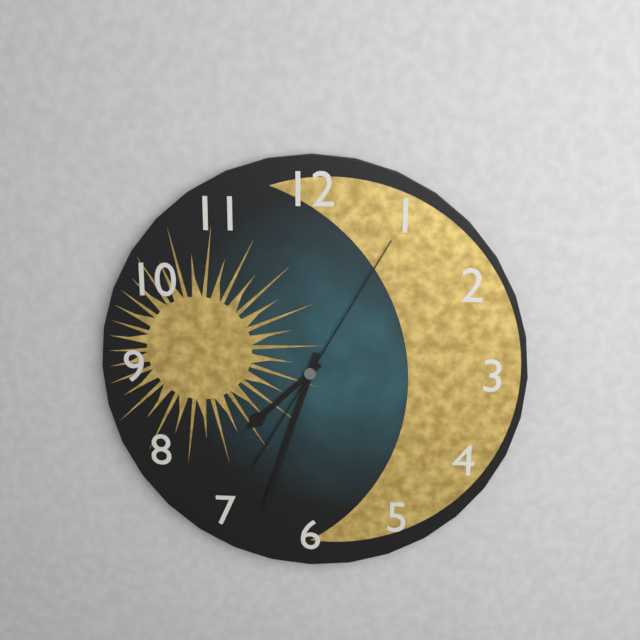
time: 7:33:05
